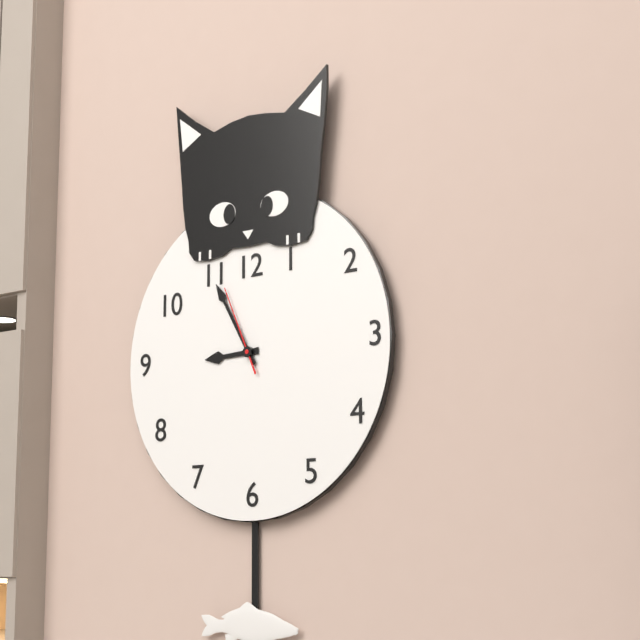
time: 8:55:56
